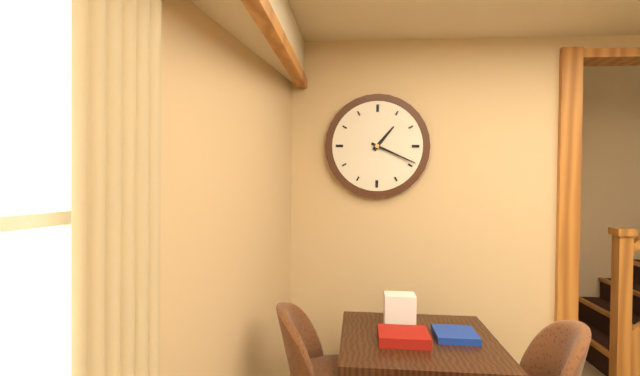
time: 1:19
